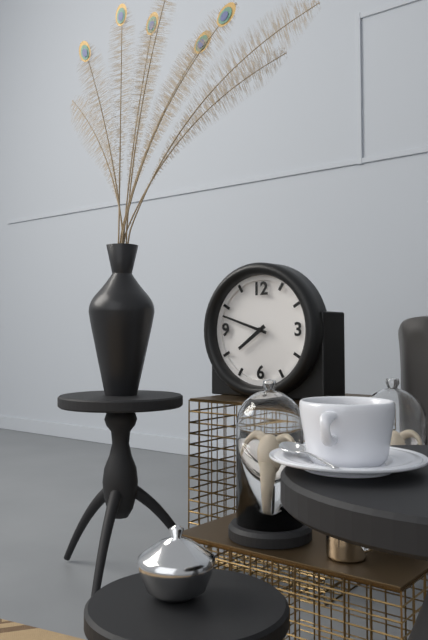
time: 7:48
